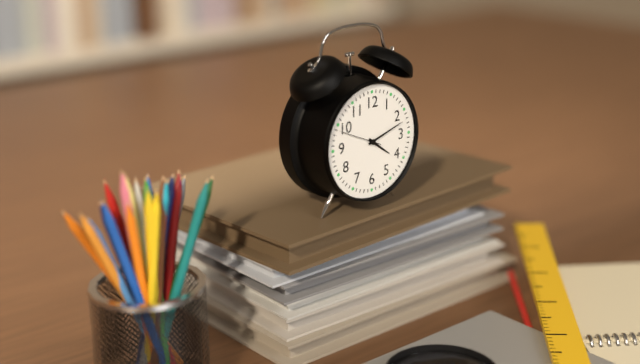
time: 4:12
